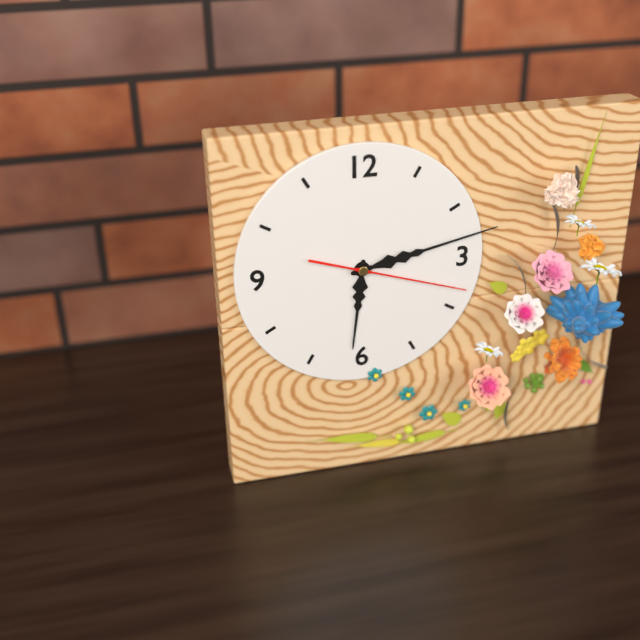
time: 6:13:18
